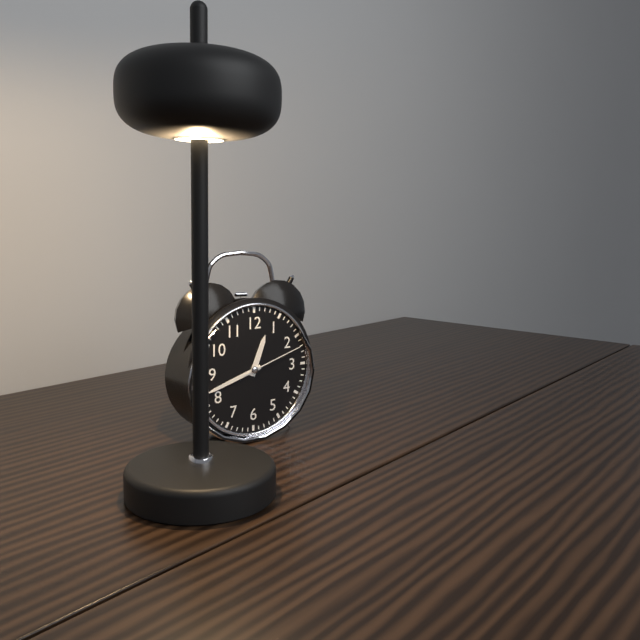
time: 12:42:12
